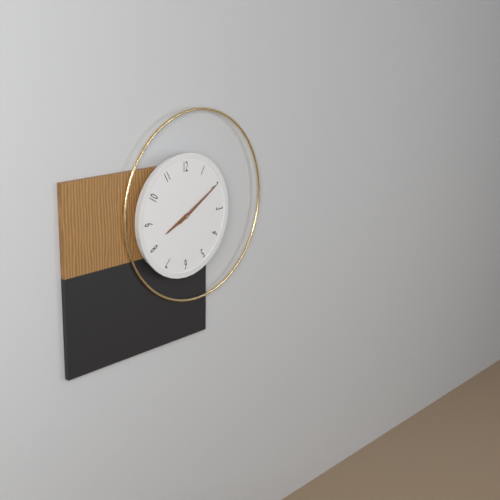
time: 8:10
